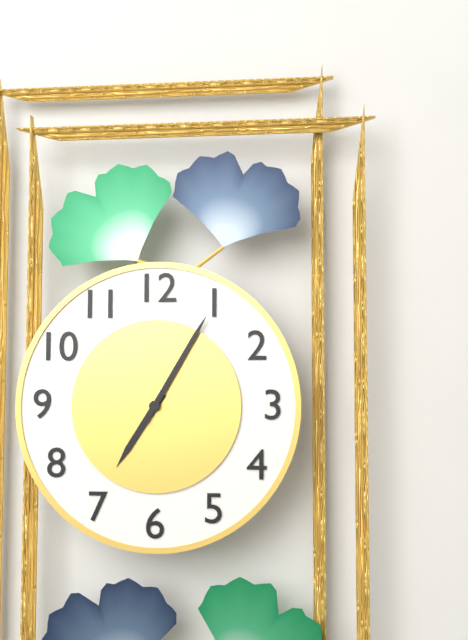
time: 7:05
